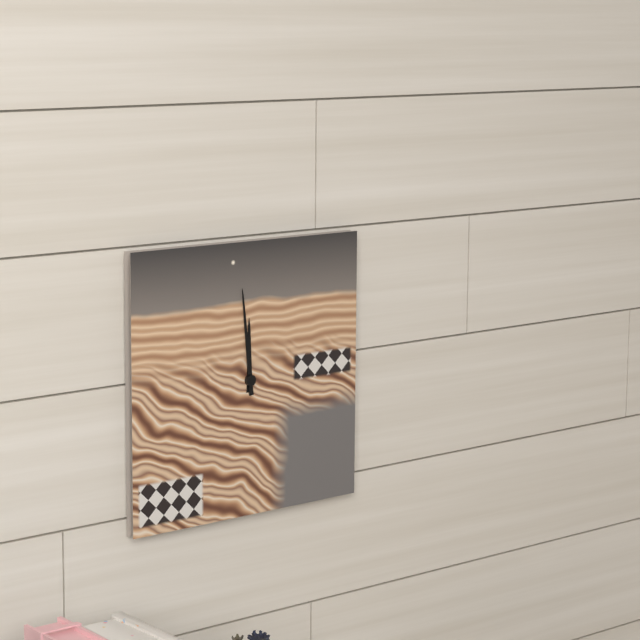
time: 11:59
